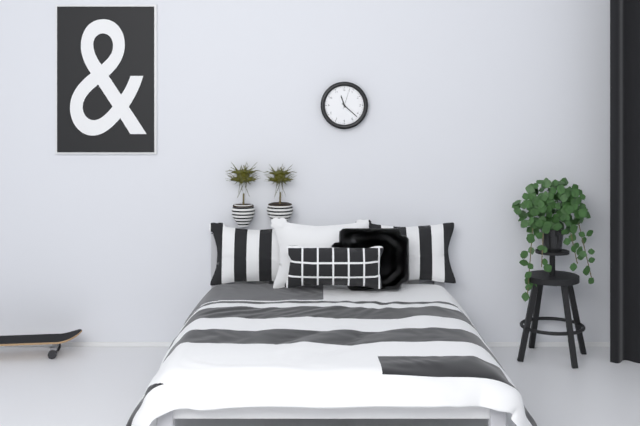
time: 11:22
